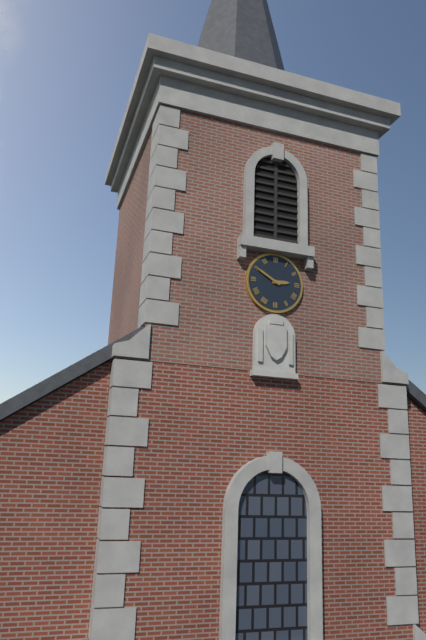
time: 2:50
